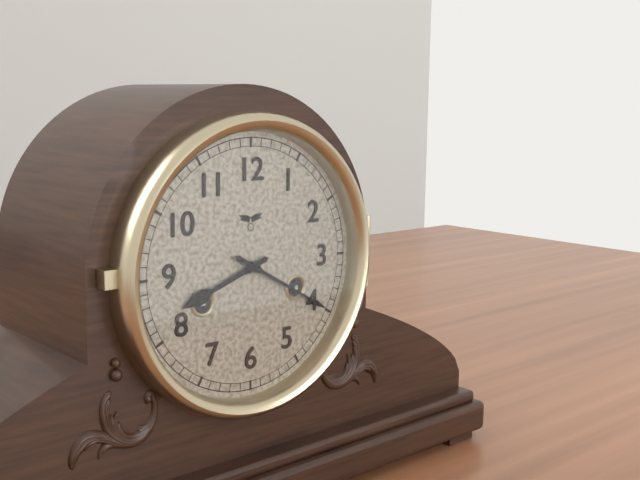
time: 8:20
